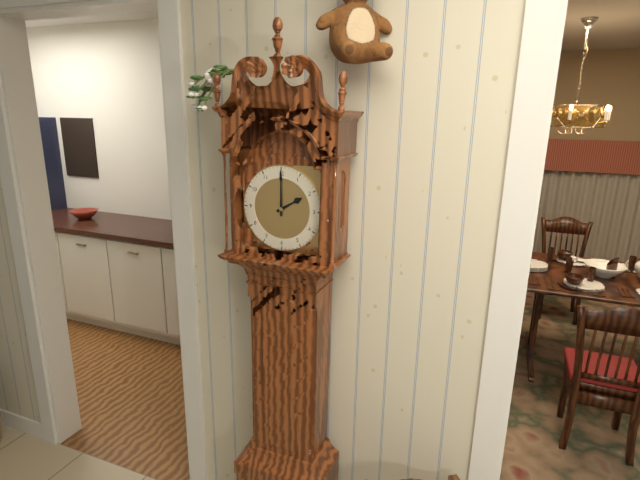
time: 2:00
